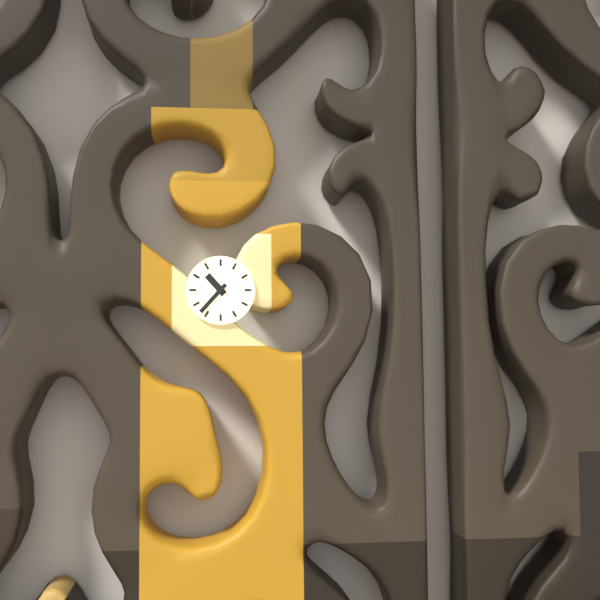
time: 10:37
